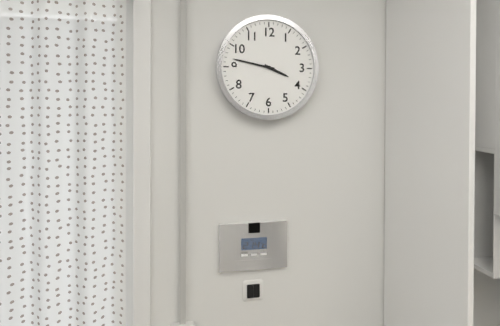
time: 3:47
